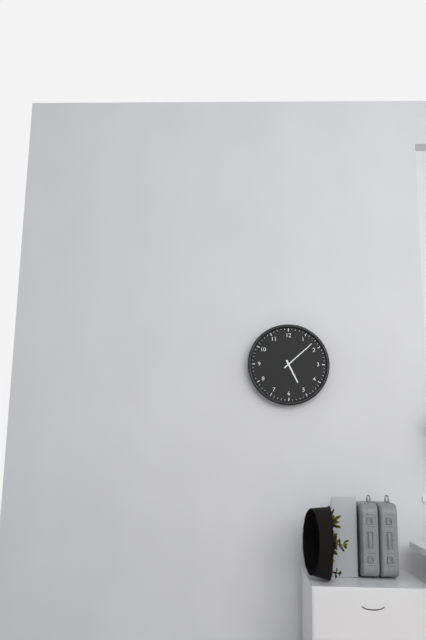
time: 5:08
